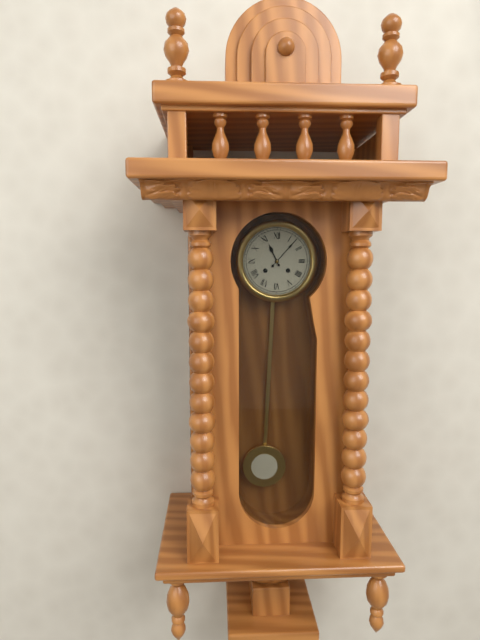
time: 11:07
